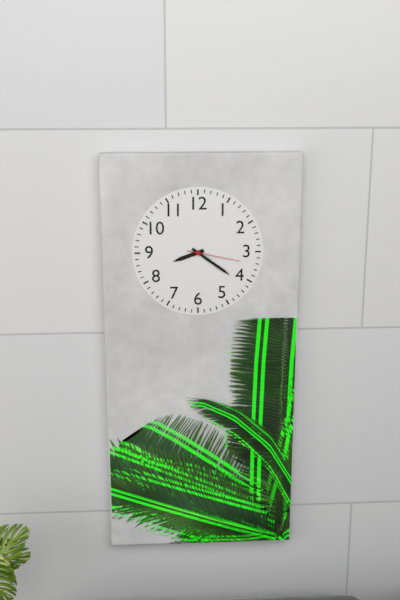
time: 8:21:17
